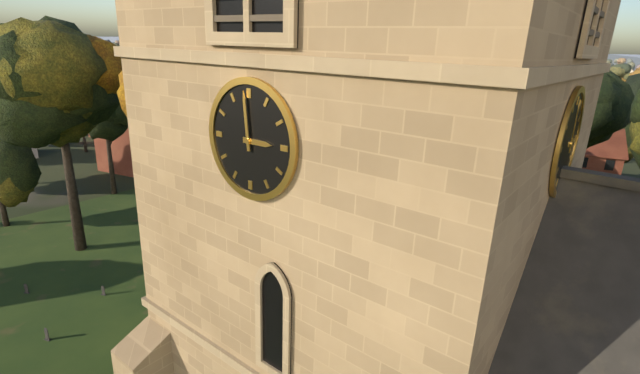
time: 2:59
